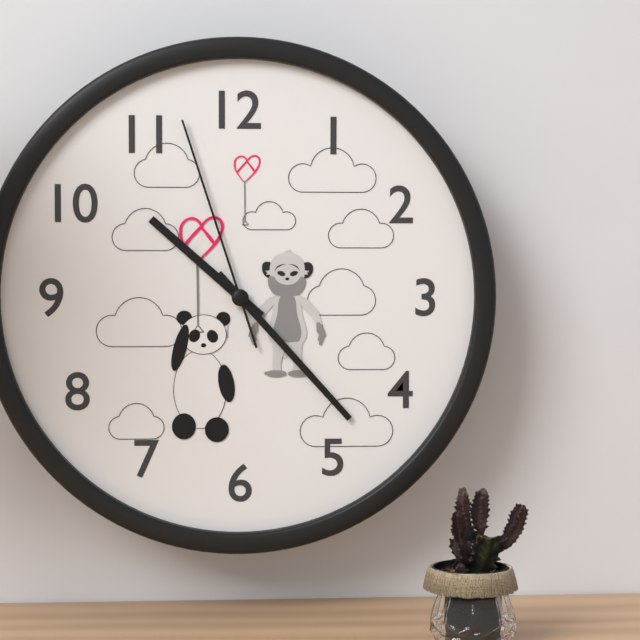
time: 10:23:57
